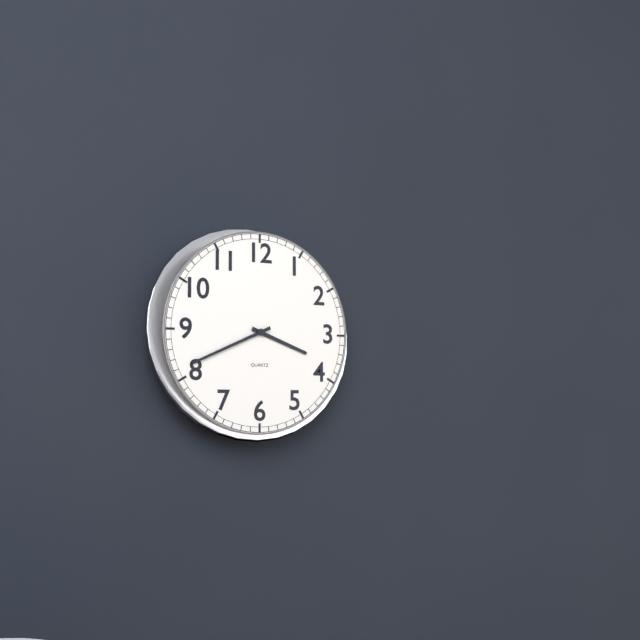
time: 3:41
